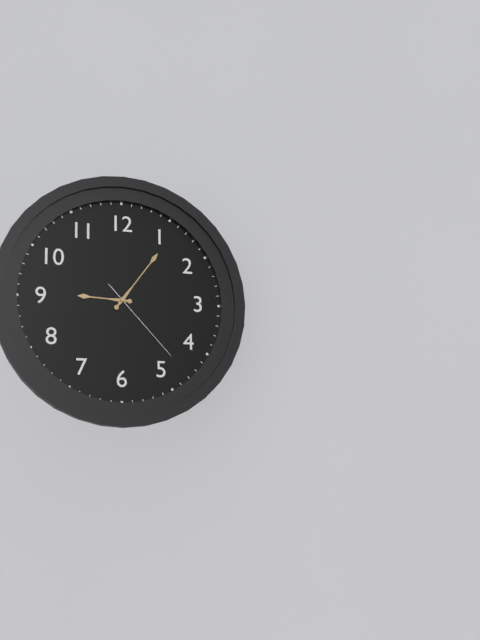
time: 9:06:23
